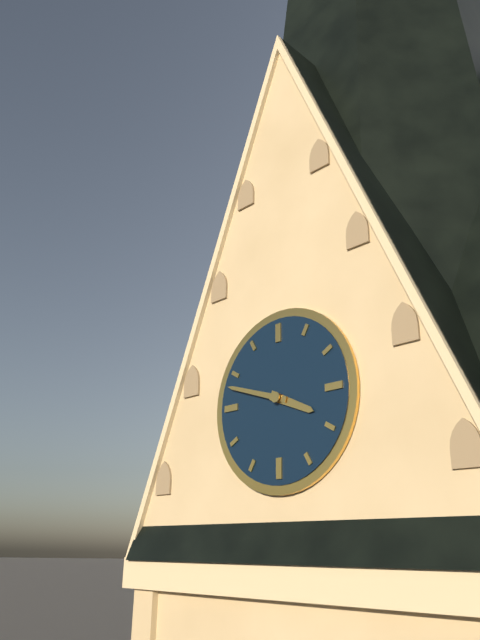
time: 3:48
